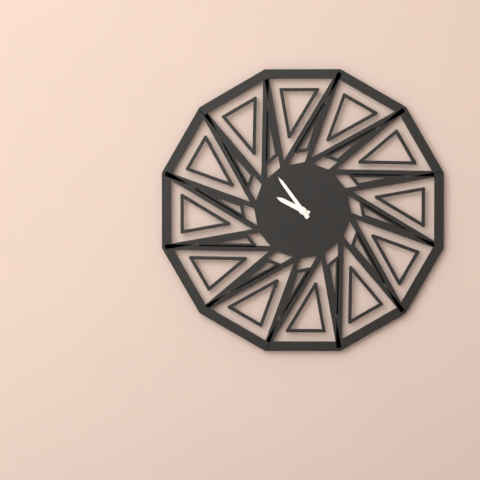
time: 9:54
